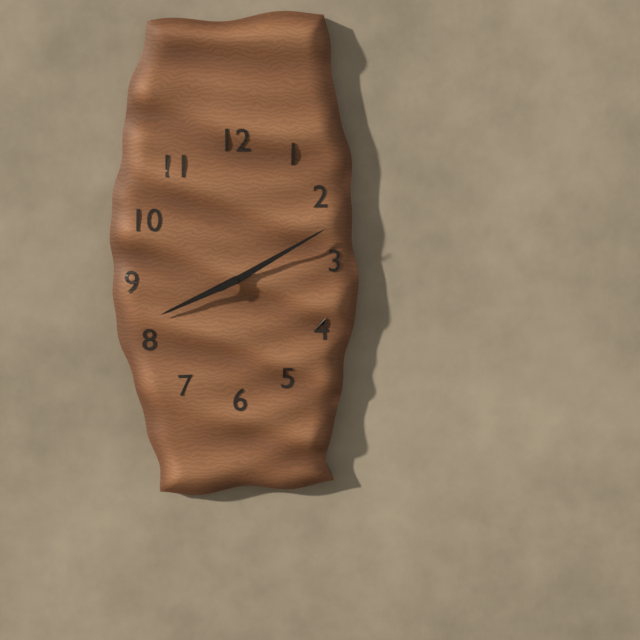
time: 8:10
